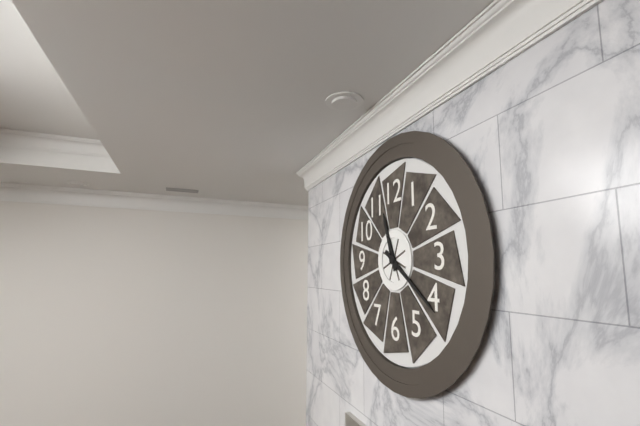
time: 11:21
